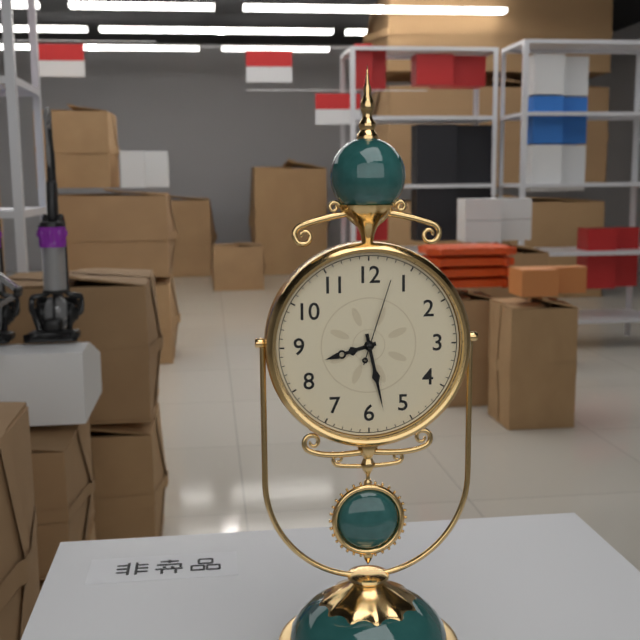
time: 8:28:03
